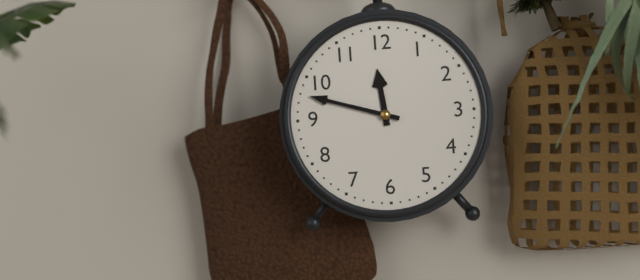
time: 11:48
